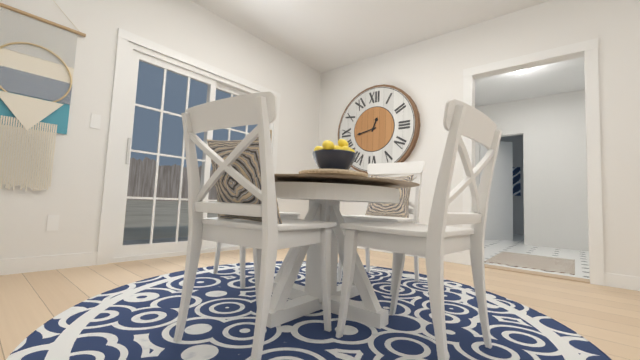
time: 12:43
